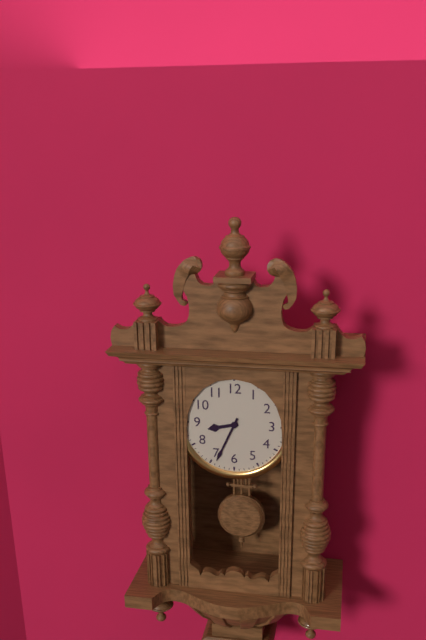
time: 8:34
